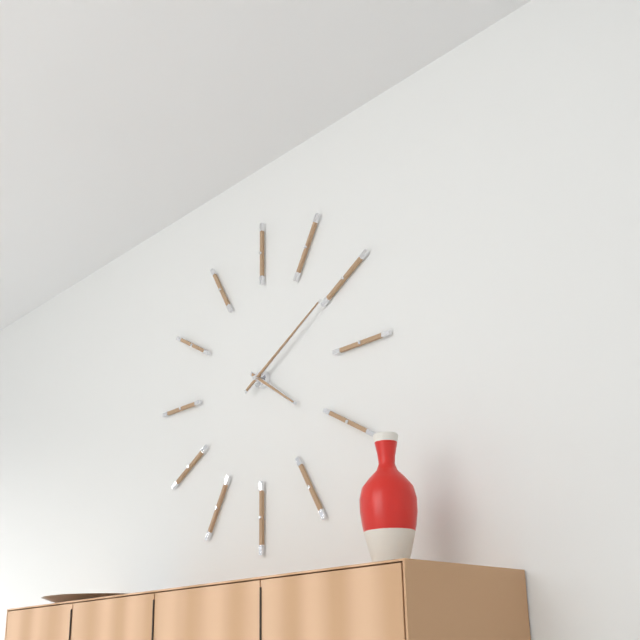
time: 4:10
